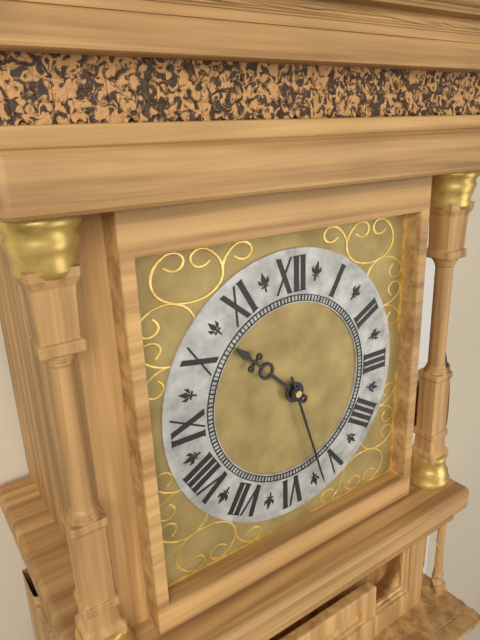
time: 10:27
